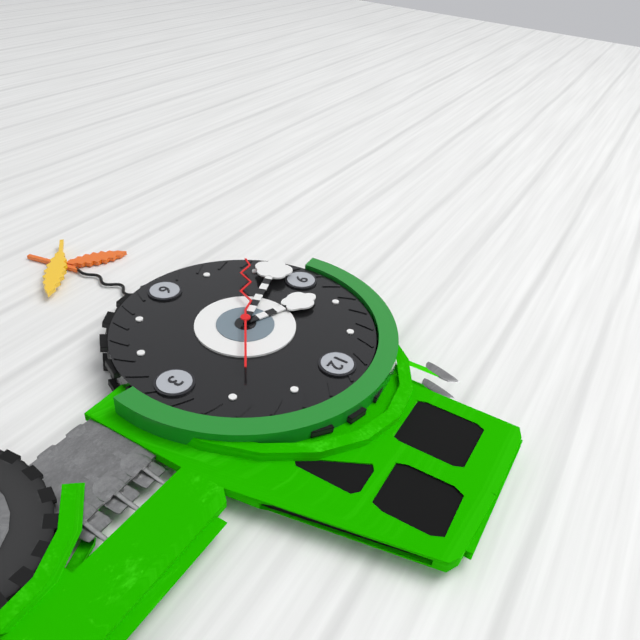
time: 9:42:39
